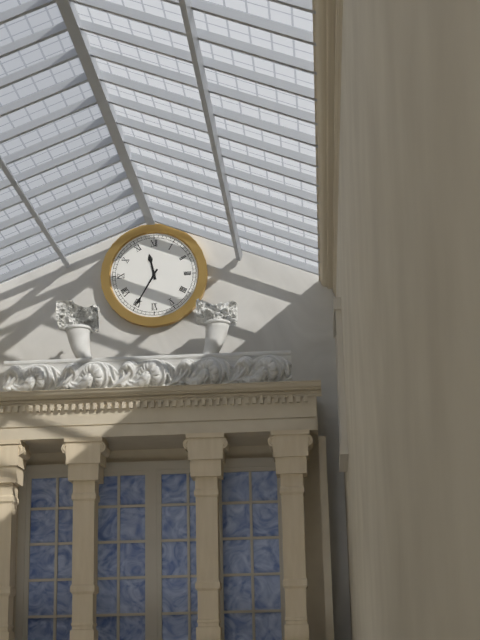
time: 11:35
